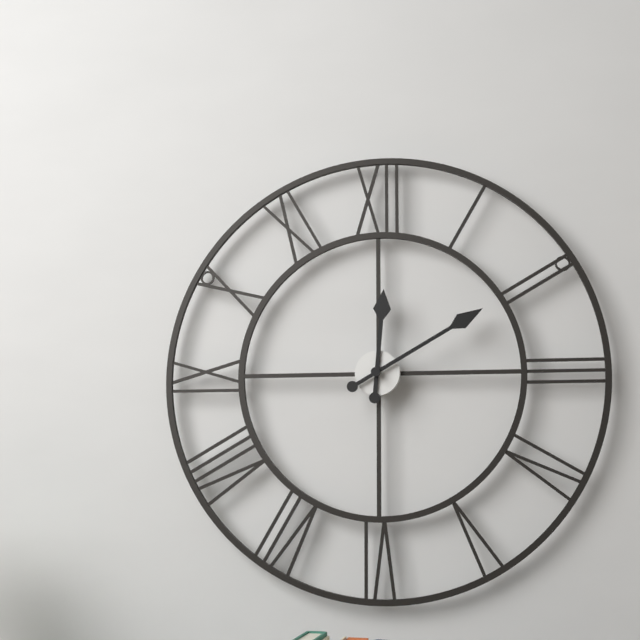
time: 12:10
